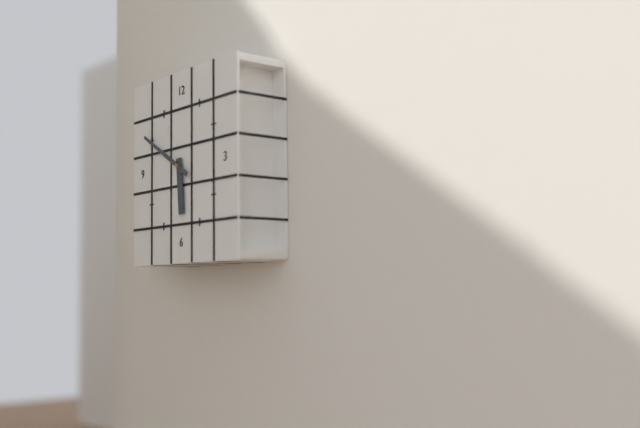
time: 5:50
